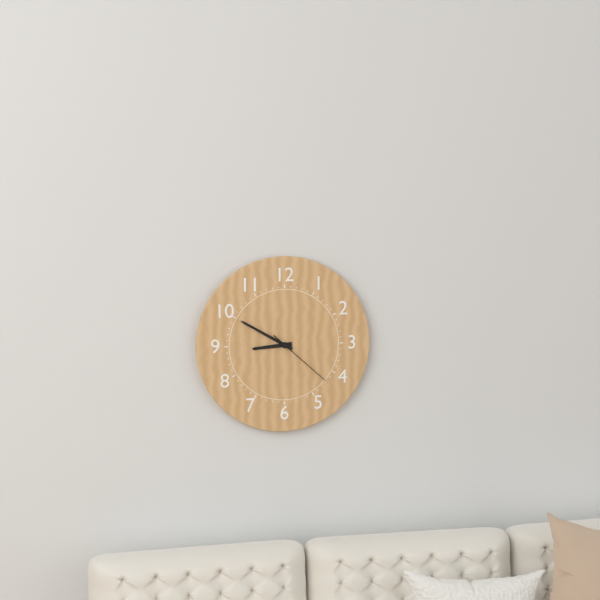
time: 8:50:22
